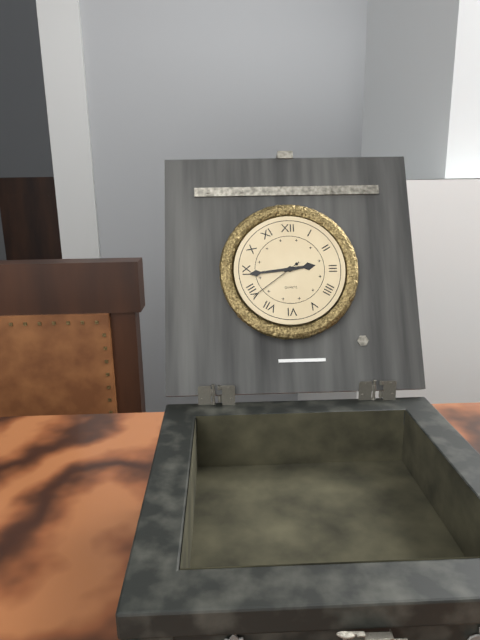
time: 2:44:39
